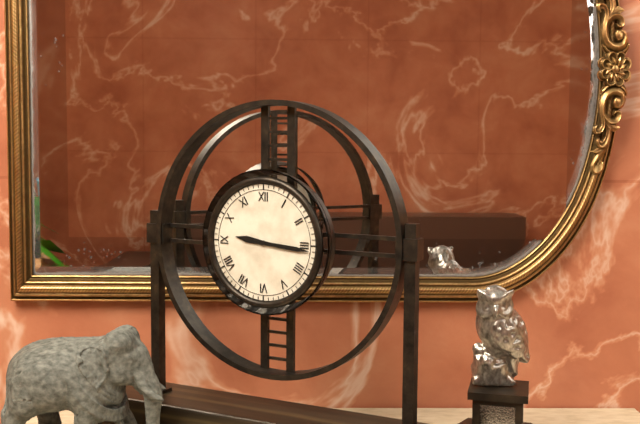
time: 9:16
